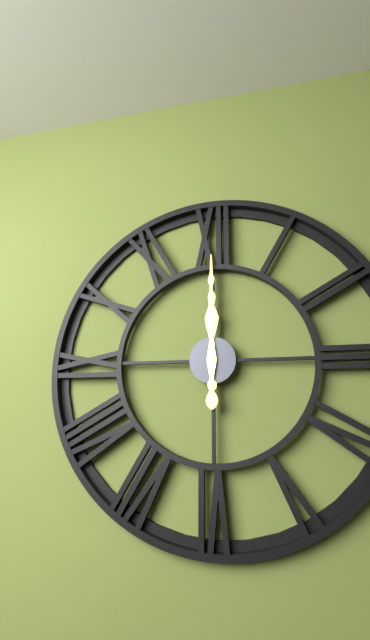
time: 12:00
